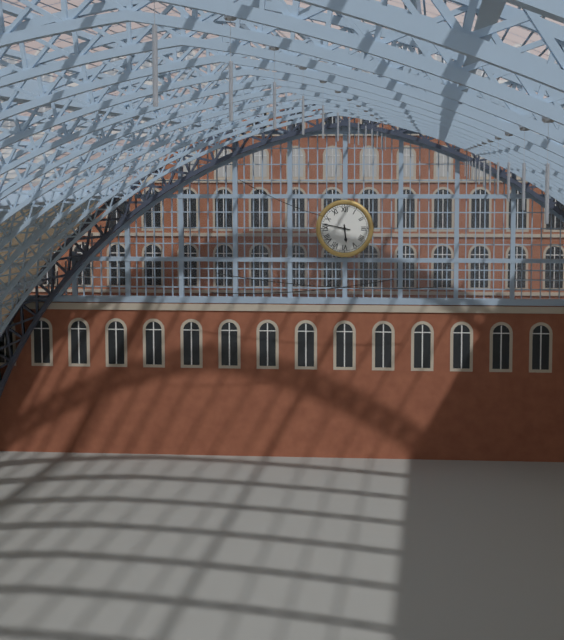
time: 5:47
